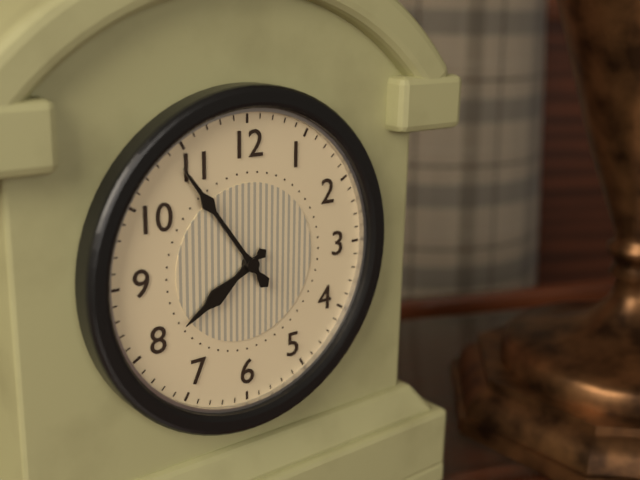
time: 7:54
